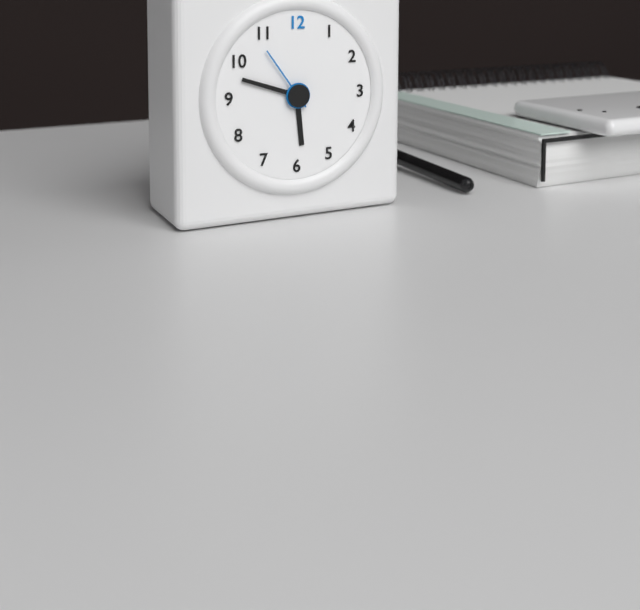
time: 5:48:54
